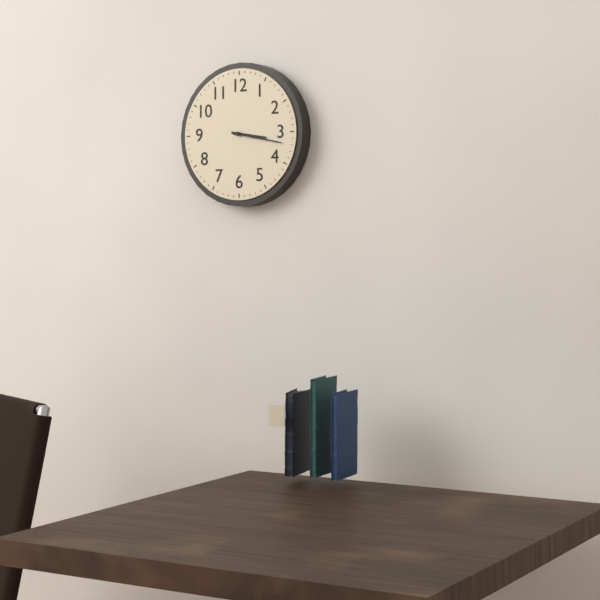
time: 3:17
